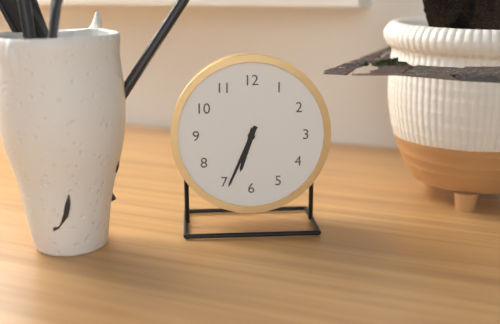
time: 6:34
